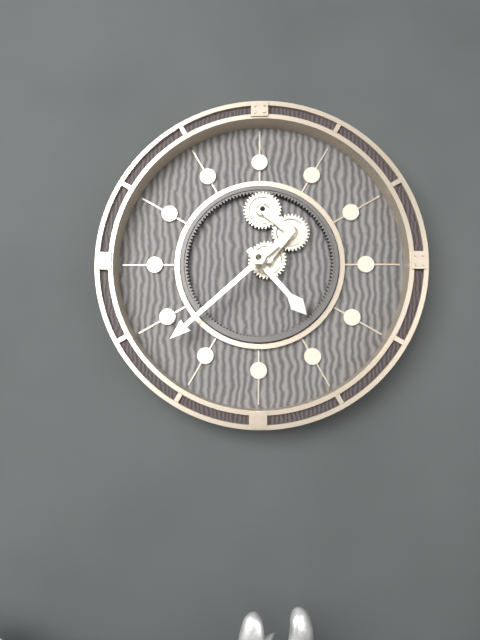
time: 4:38
